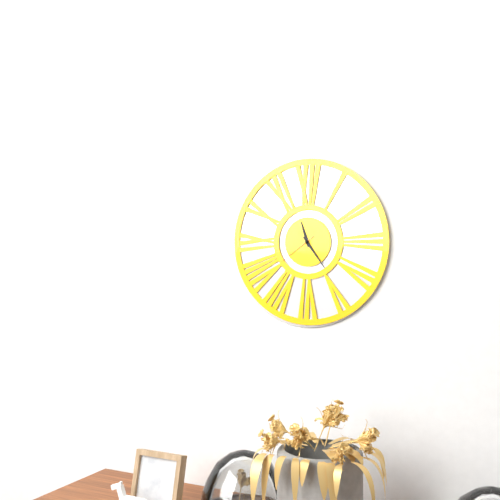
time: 11:24
